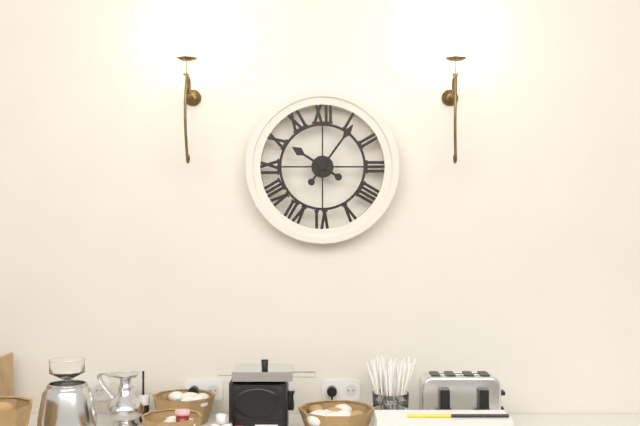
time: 10:06
